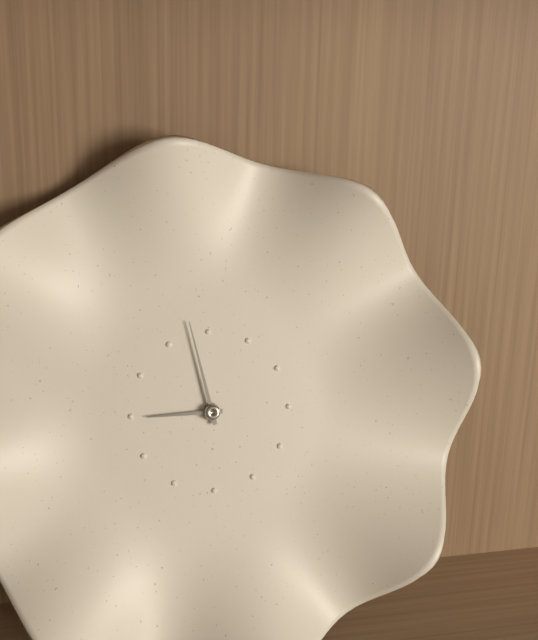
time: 8:58
